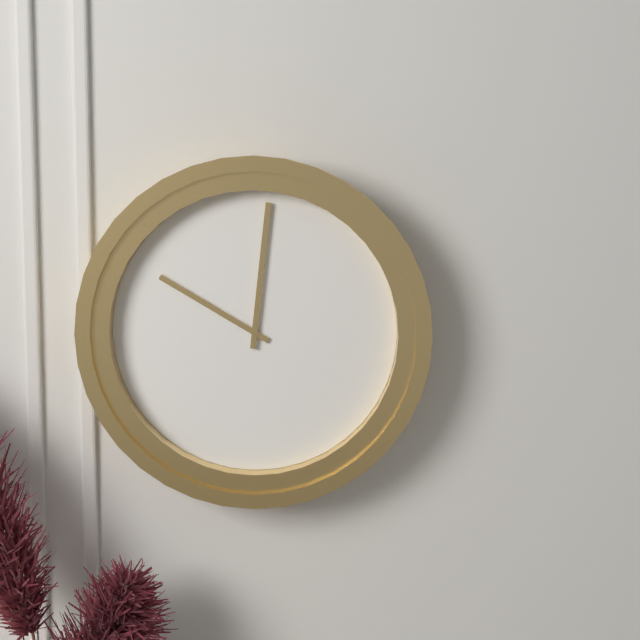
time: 10:01
